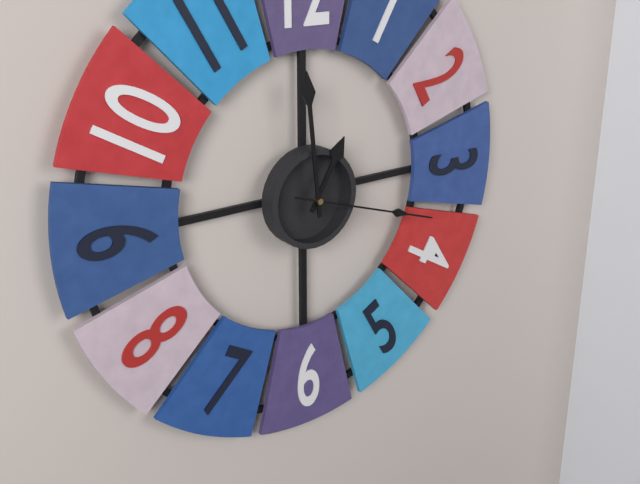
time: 12:59:18
